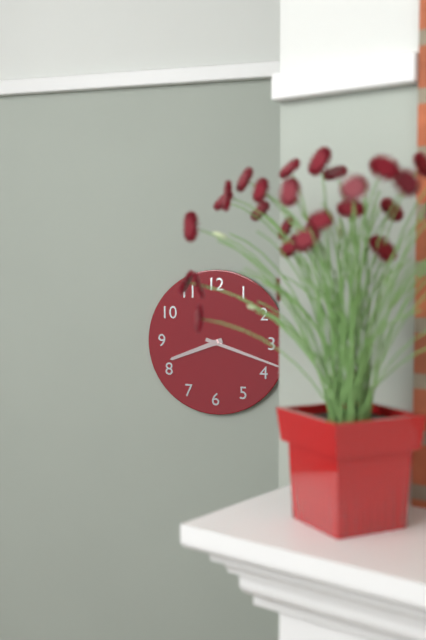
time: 8:18
